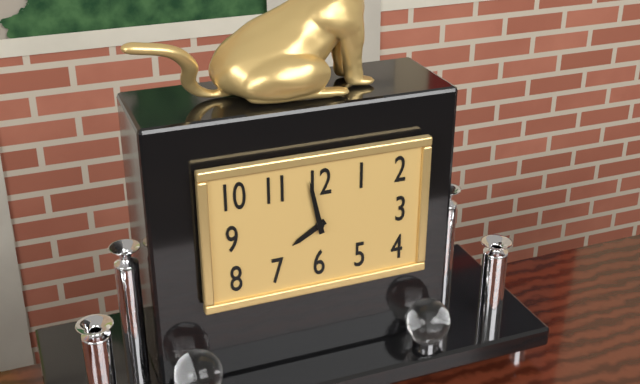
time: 7:58
